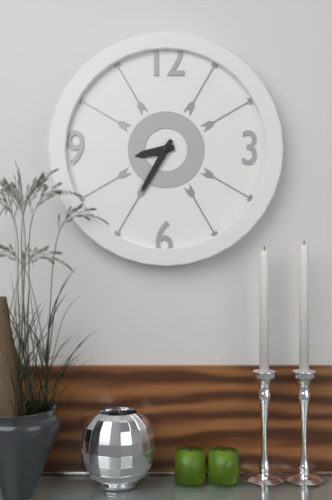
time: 8:35
